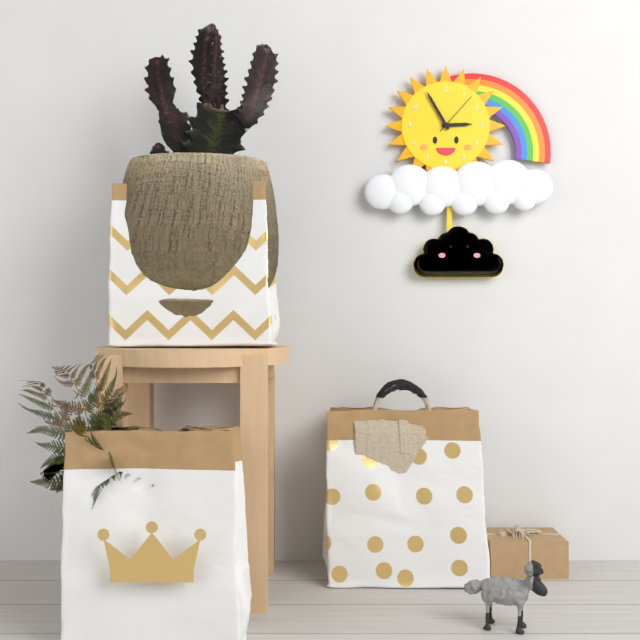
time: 2:55
